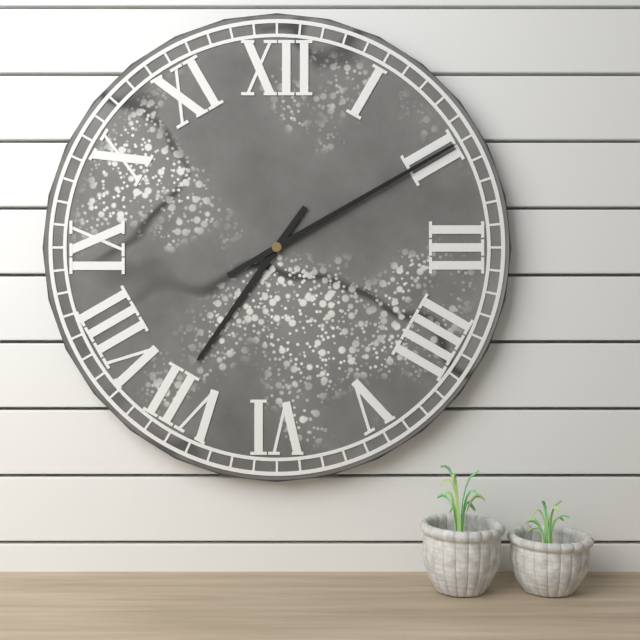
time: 7:10
